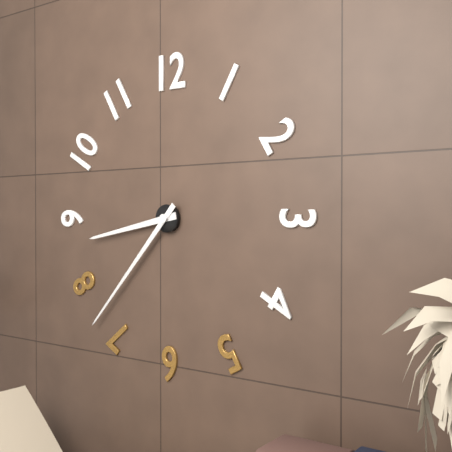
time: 8:37
